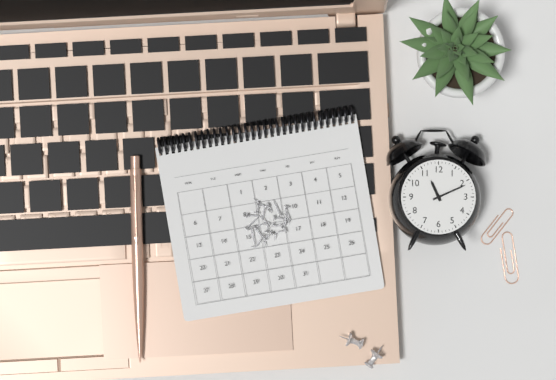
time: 11:11
